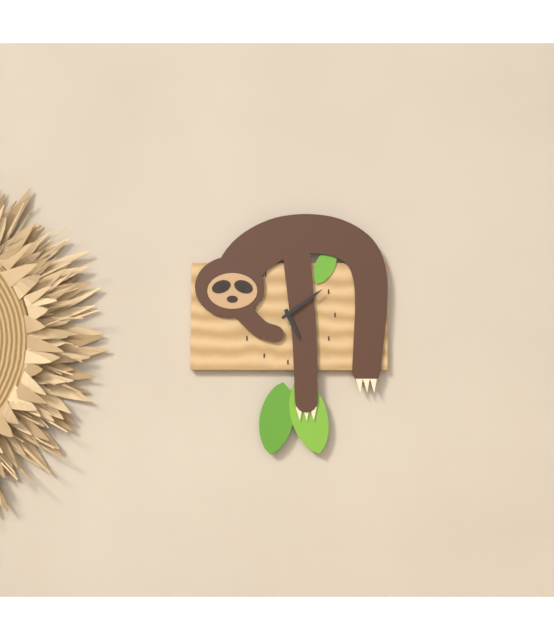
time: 5:09
